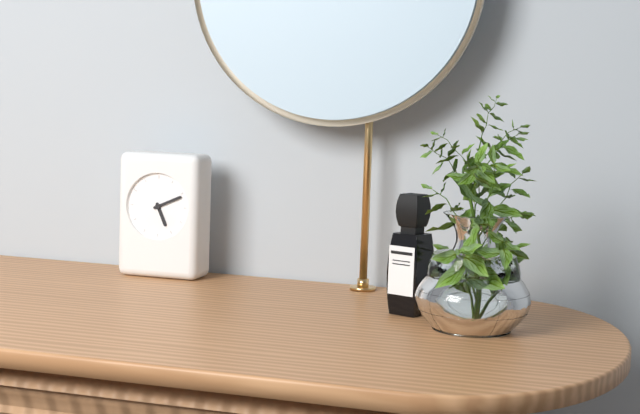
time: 5:11
